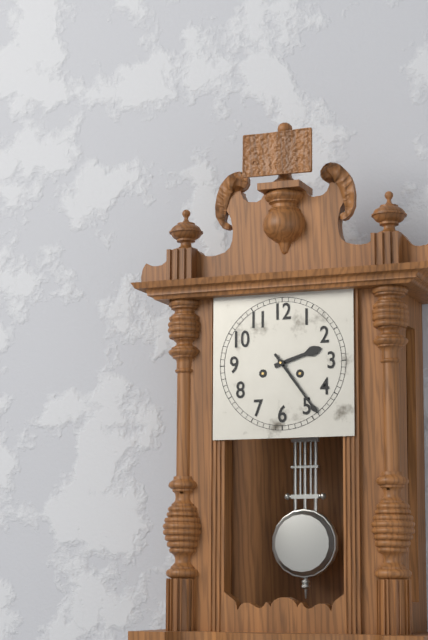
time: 2:24
